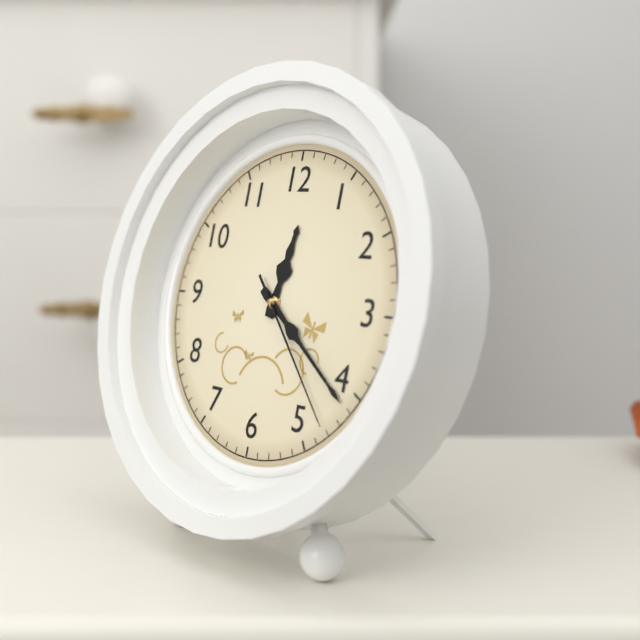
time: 12:21:23
